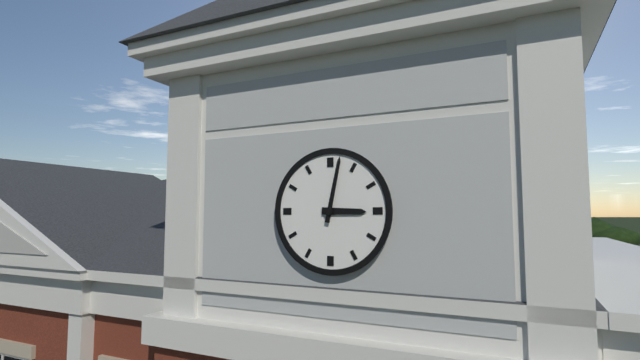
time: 3:02
